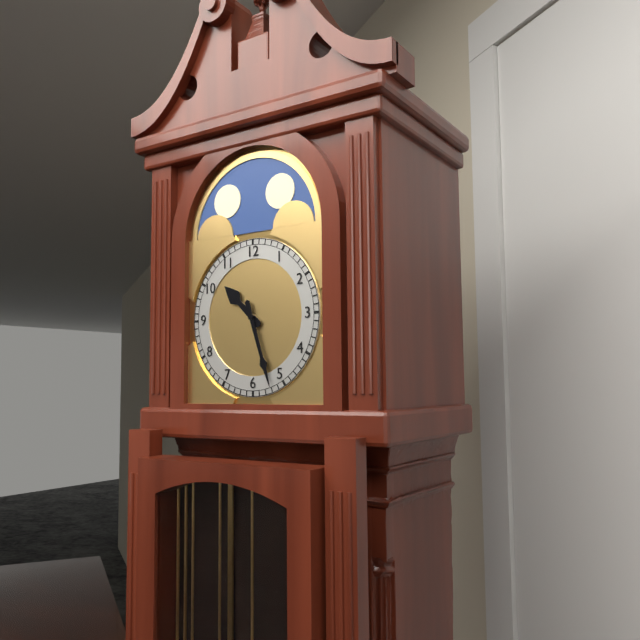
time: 10:27
